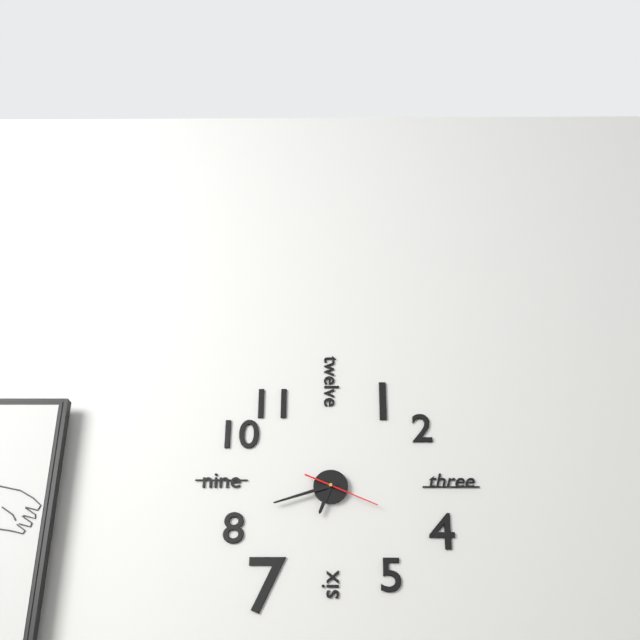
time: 6:42:19
